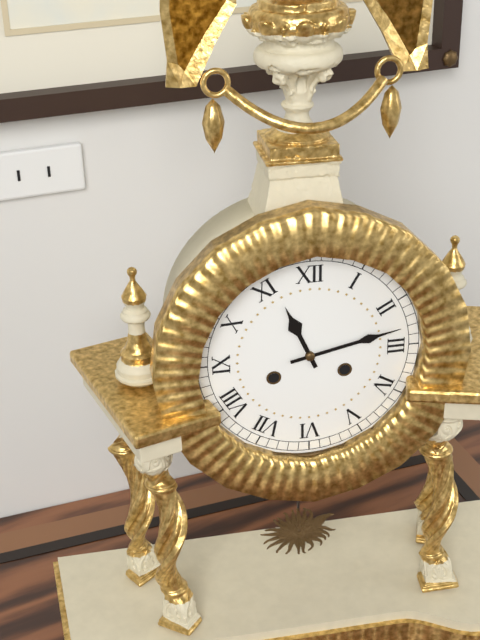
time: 11:13
